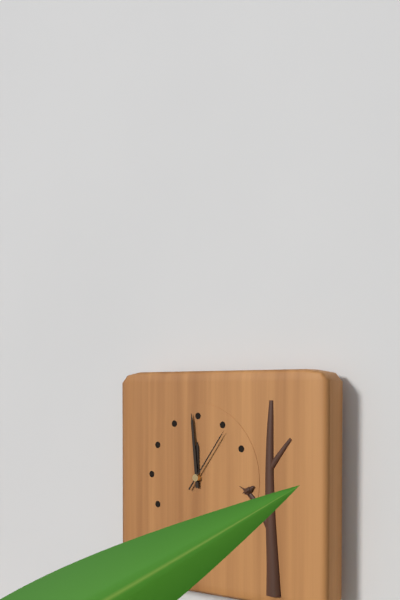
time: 11:59:06
